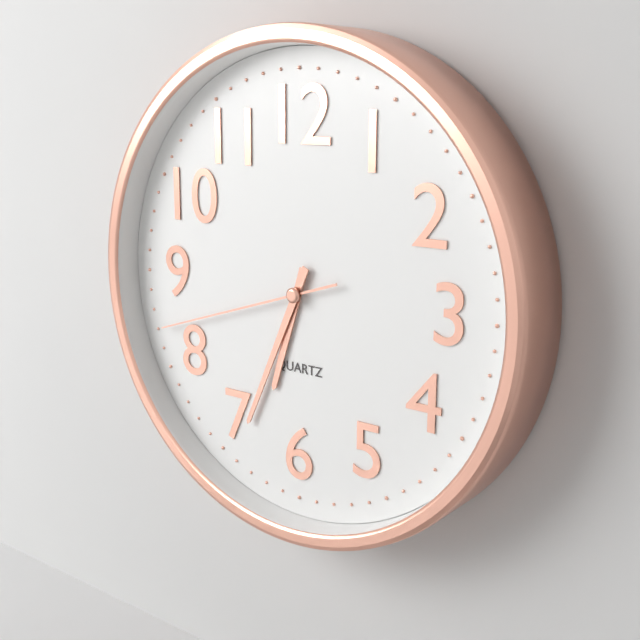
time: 6:34:42
